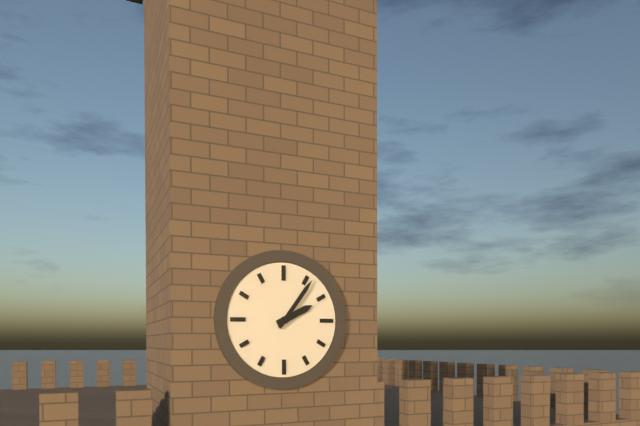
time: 2:06
